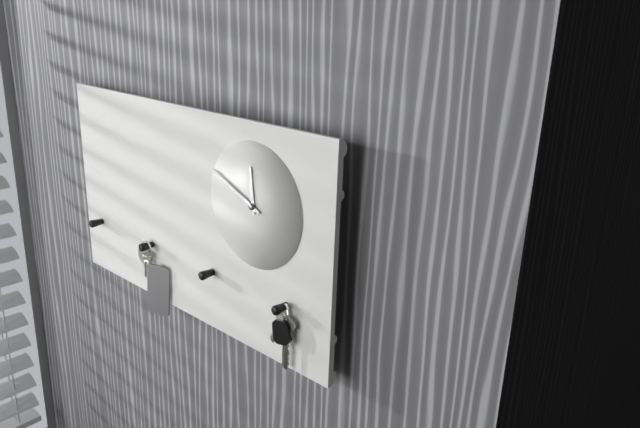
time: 11:49
